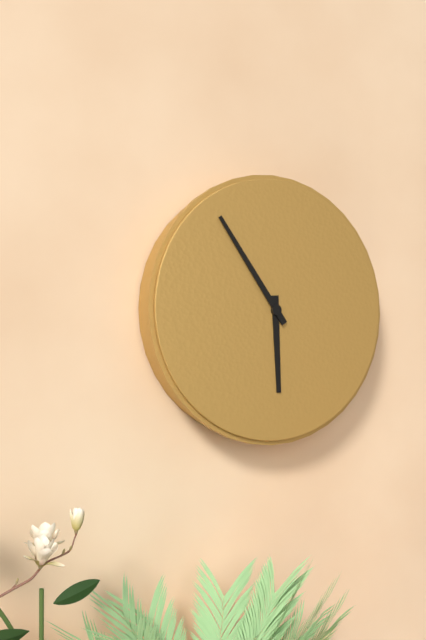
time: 5:54
